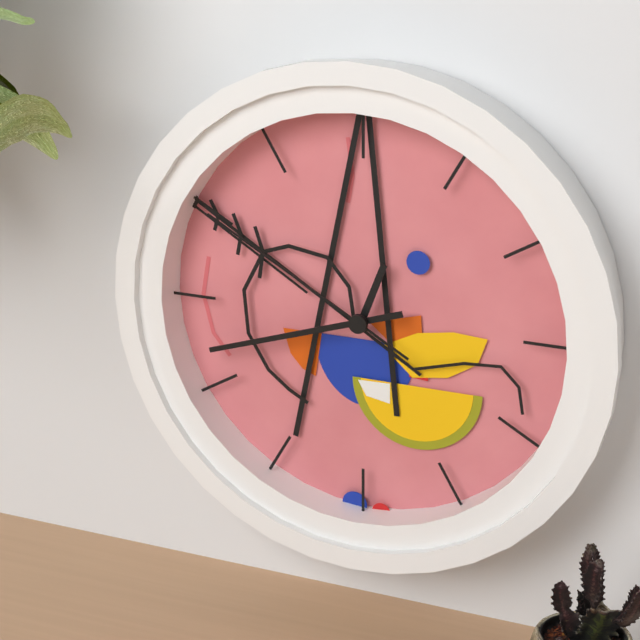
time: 12:42:50
